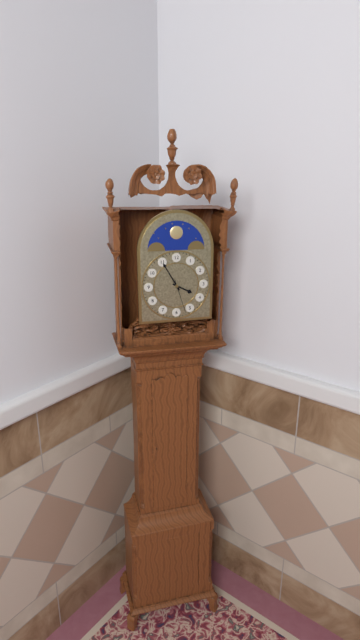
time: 3:55
